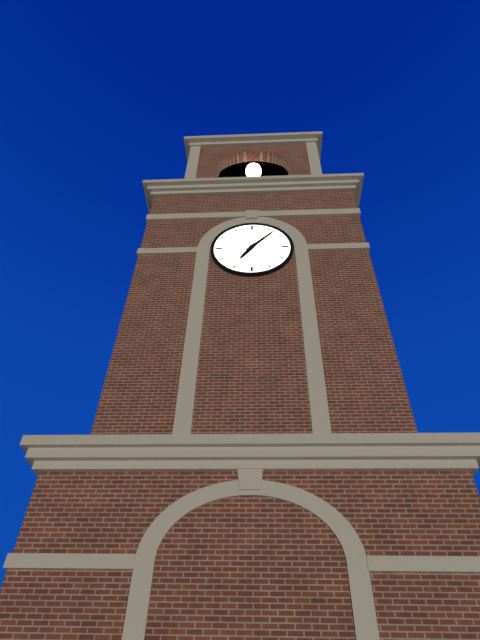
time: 7:07
